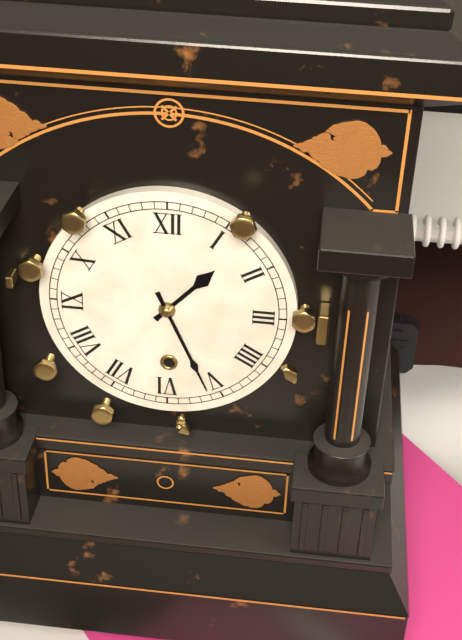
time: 1:26
